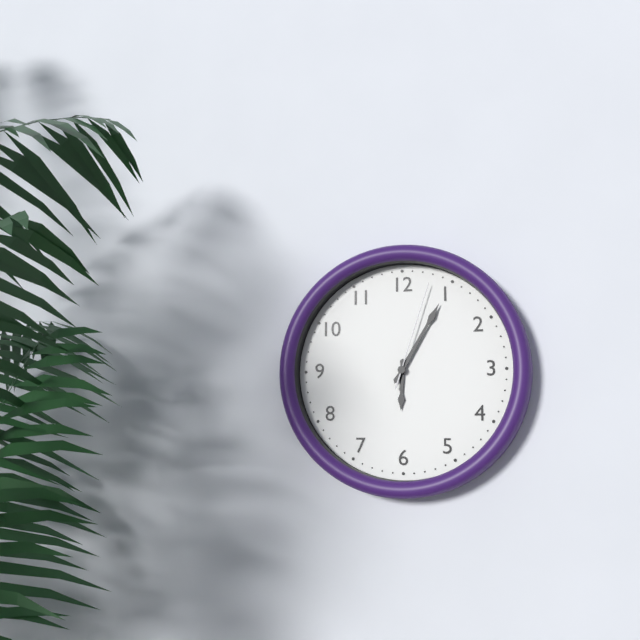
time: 6:05:03
